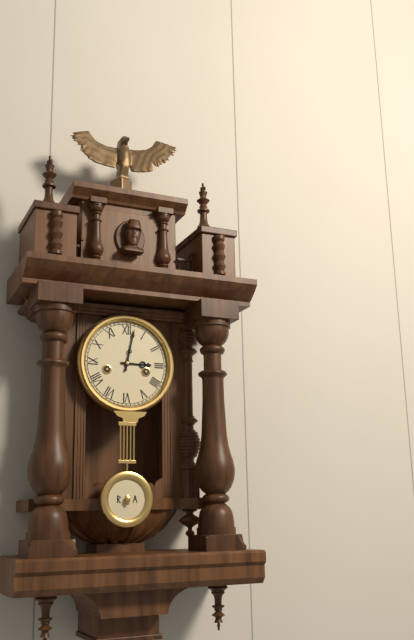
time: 3:02
